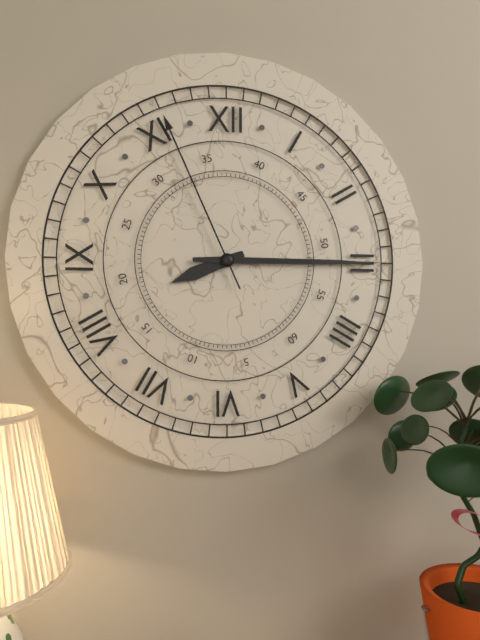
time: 8:15:56
